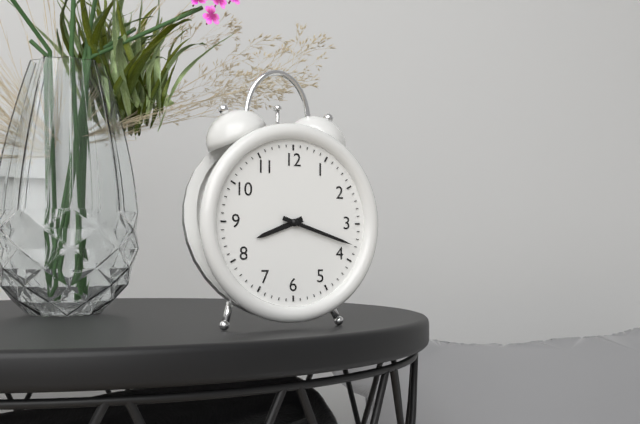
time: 8:18
